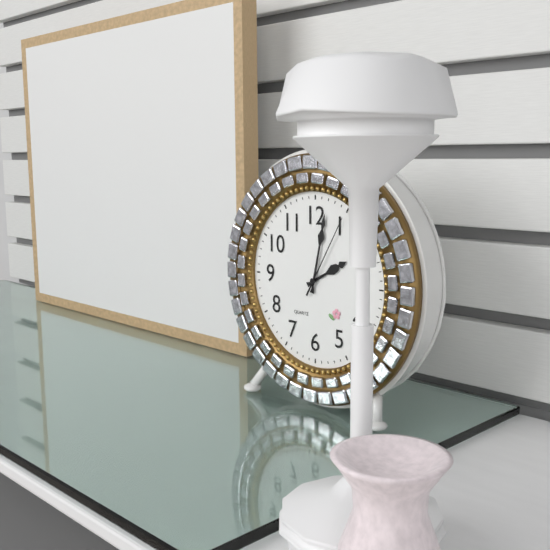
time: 2:02:05
